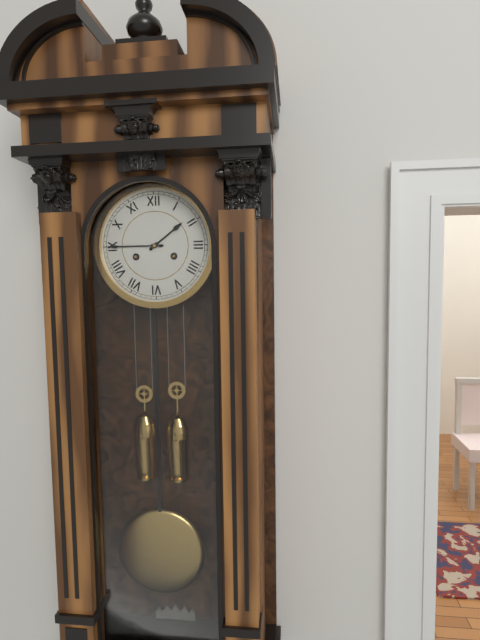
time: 1:45
